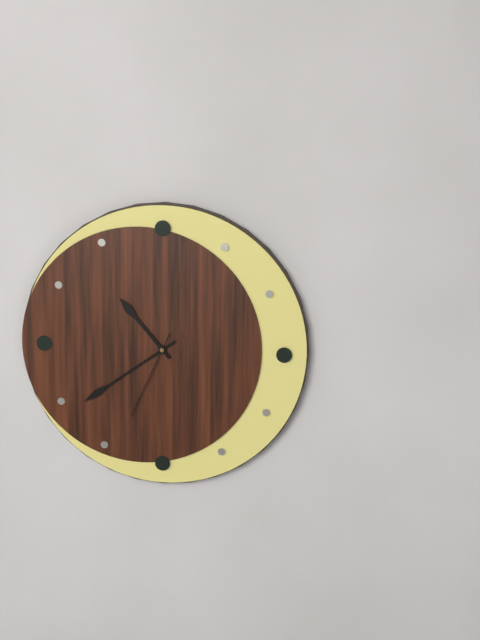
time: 10:39:34
